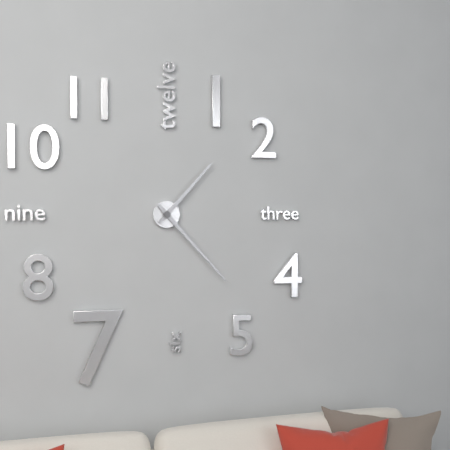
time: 1:23
